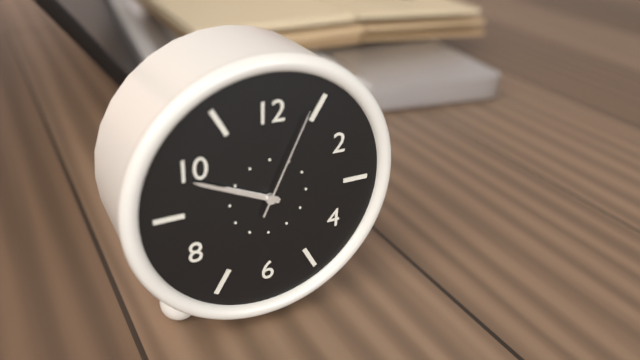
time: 9:49:04
